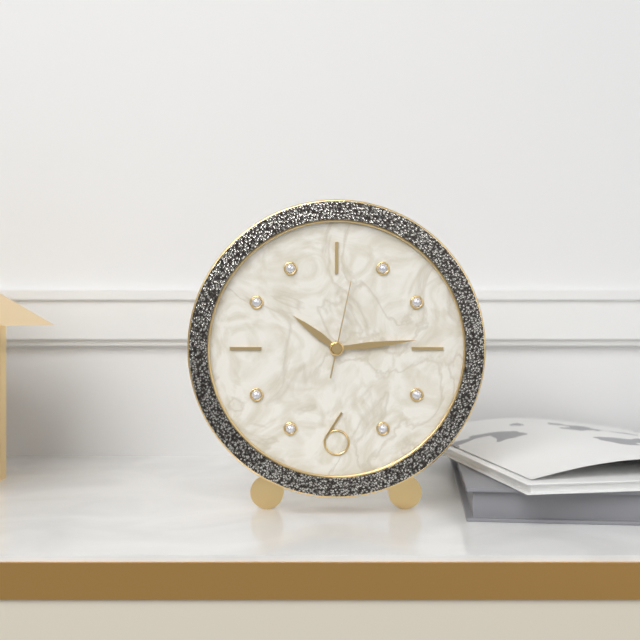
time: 10:14:02
